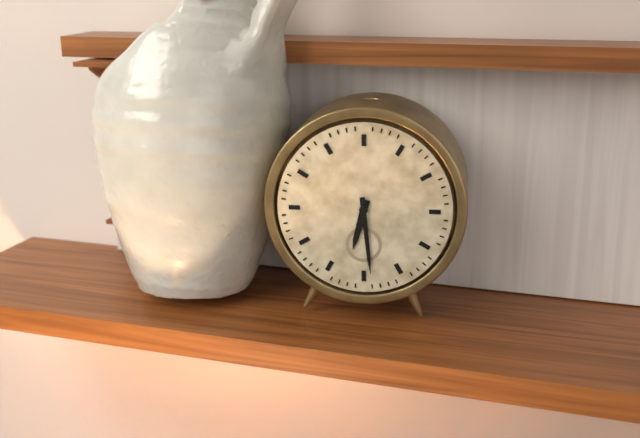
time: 6:29
